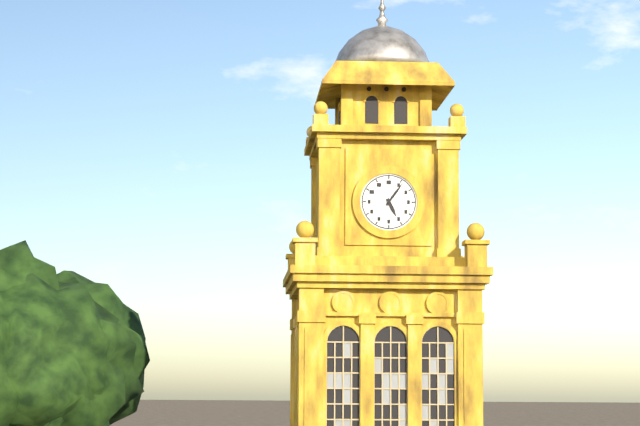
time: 5:06
